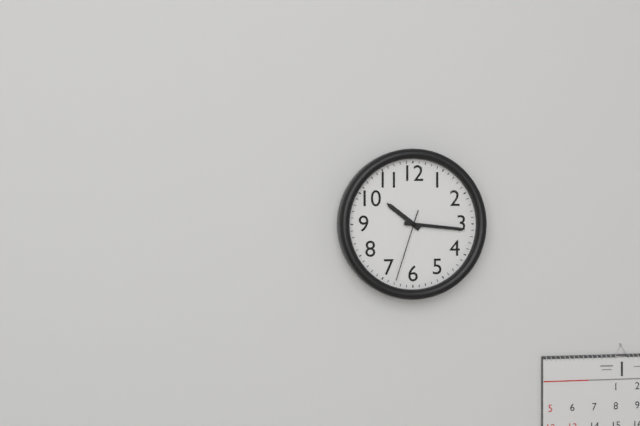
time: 10:16:33
